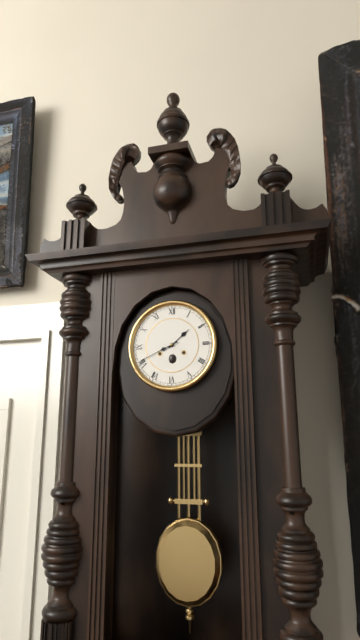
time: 1:41
